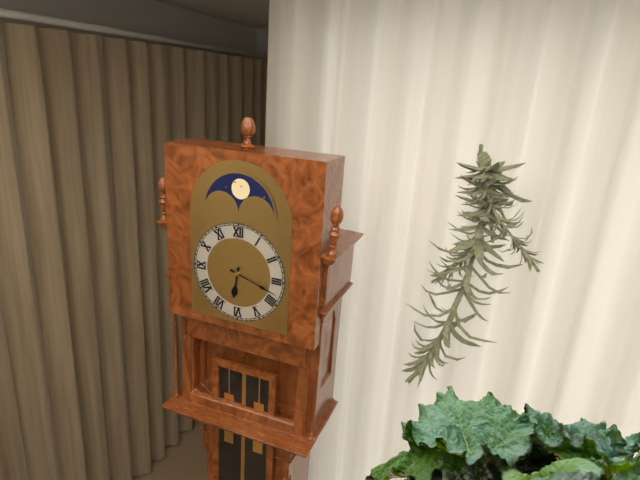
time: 6:18
